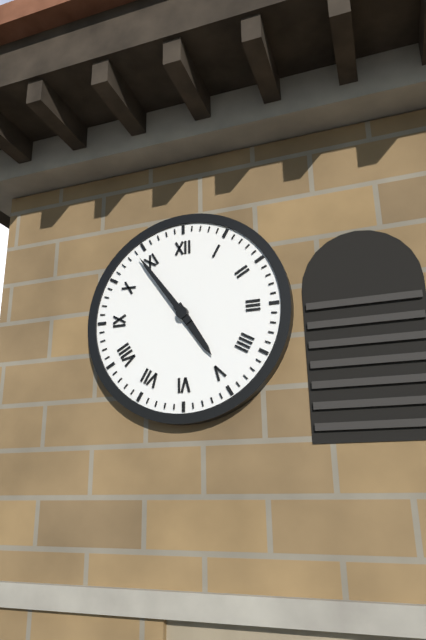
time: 4:54
